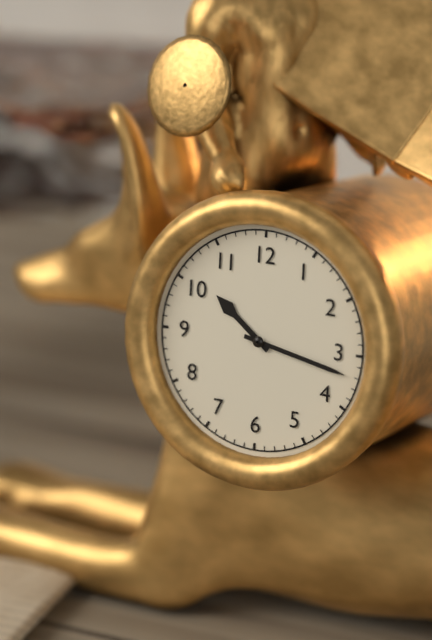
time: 10:17
